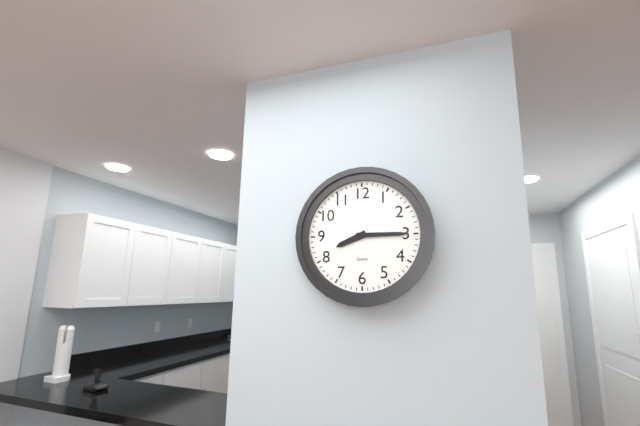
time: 8:15
